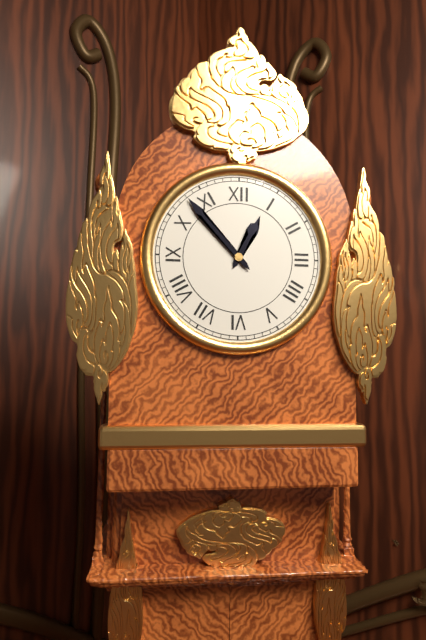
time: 12:53
